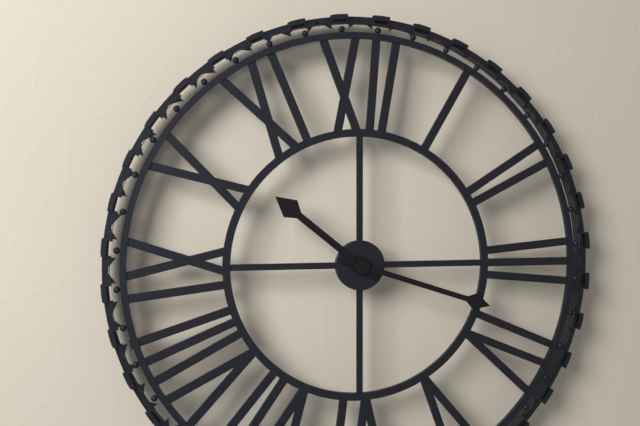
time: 10:18
